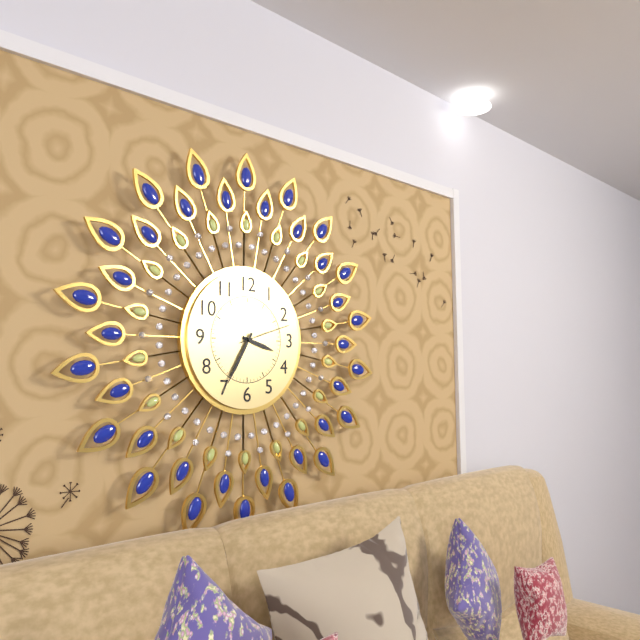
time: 3:35:12
